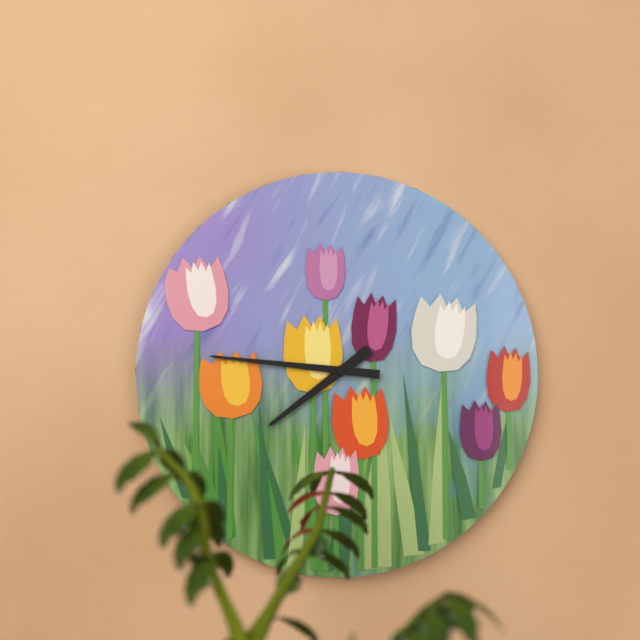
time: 7:46
